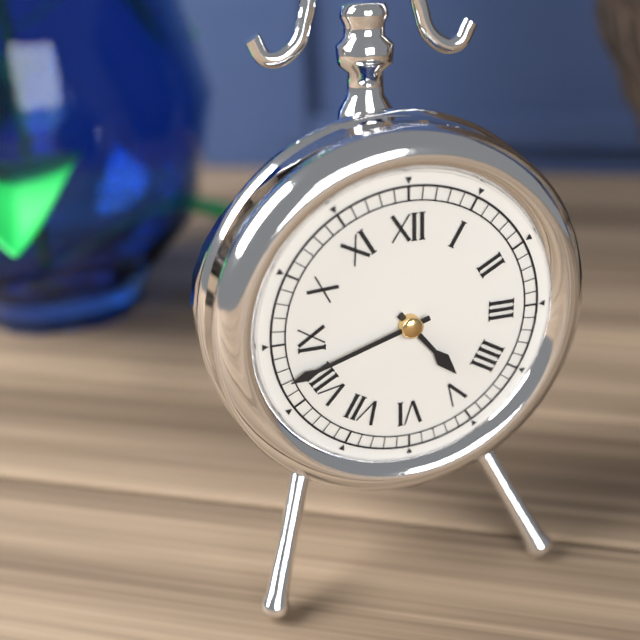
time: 4:42
